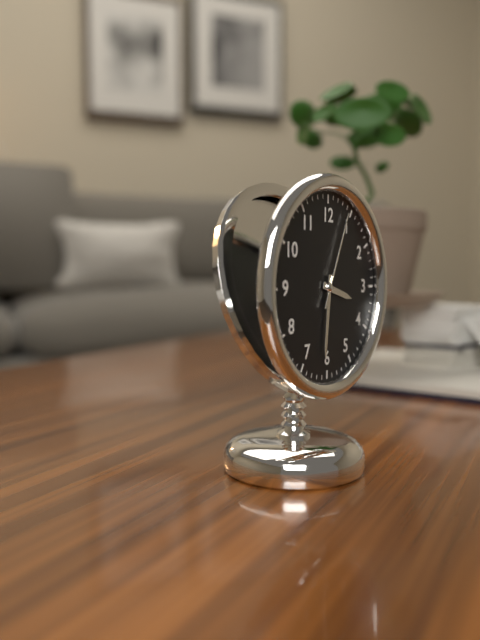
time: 3:31:04
